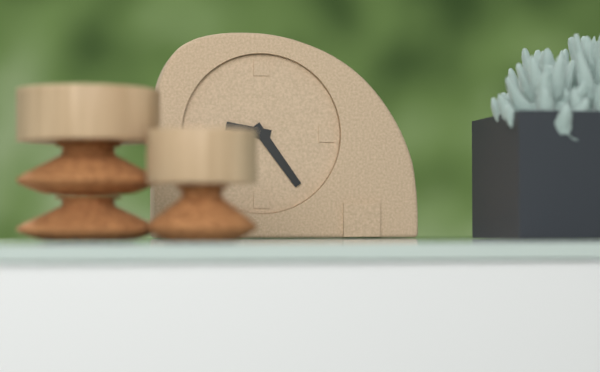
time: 9:24
